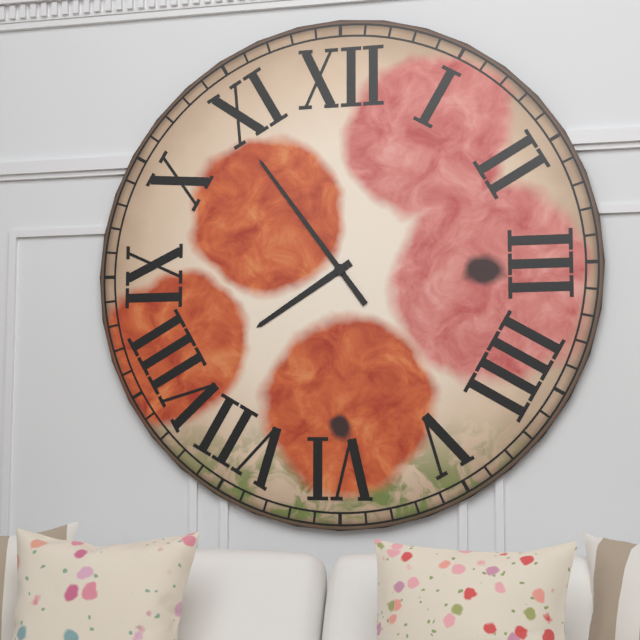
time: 7:54
